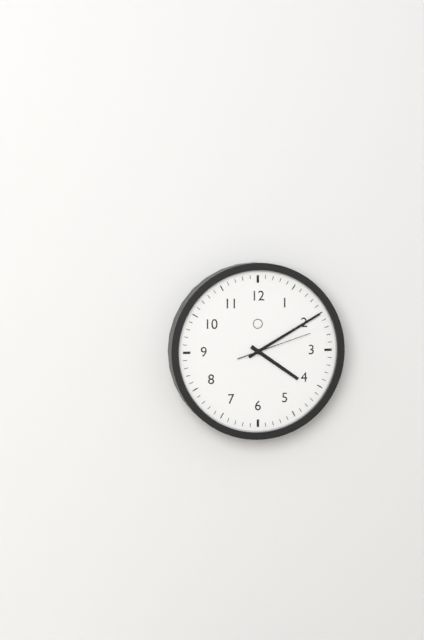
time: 4:10:12
